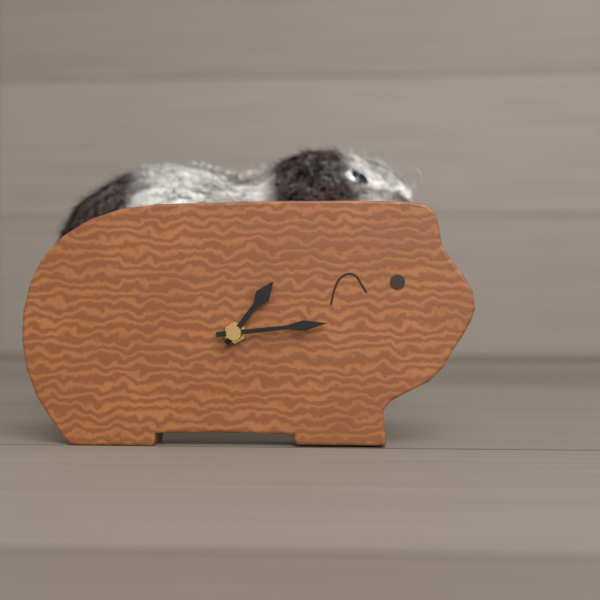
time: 1:14
